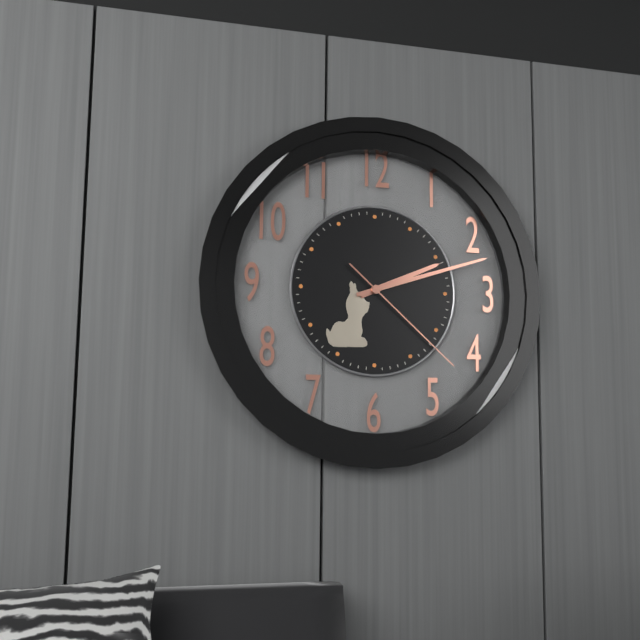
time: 2:12:22
